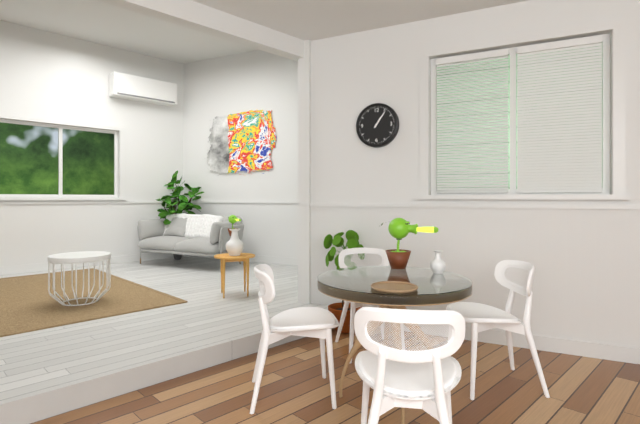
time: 1:06
